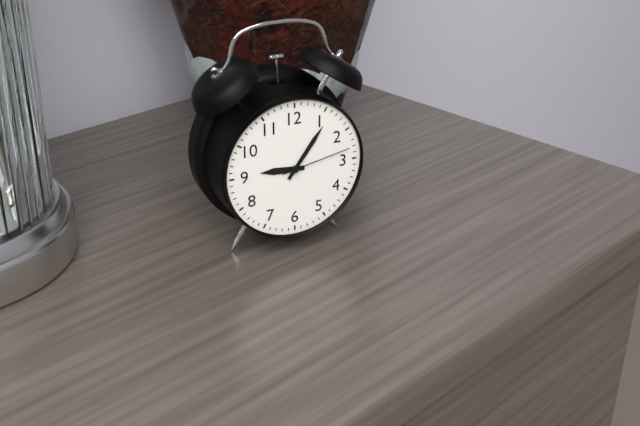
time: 9:06:13
